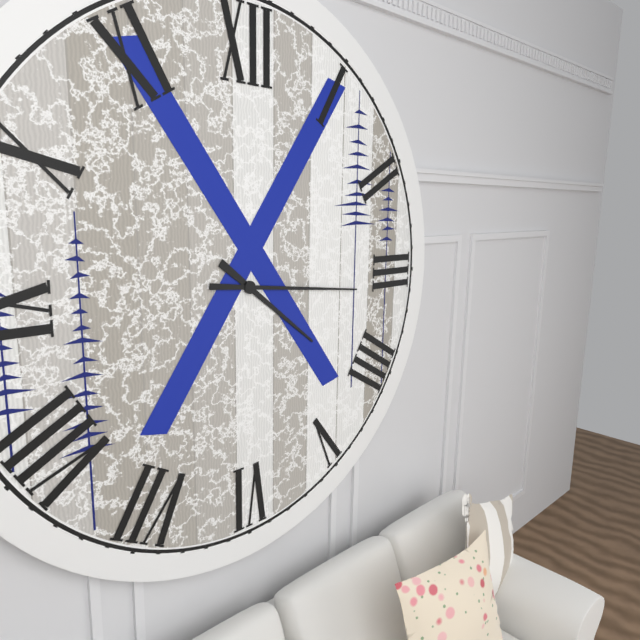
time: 4:16
